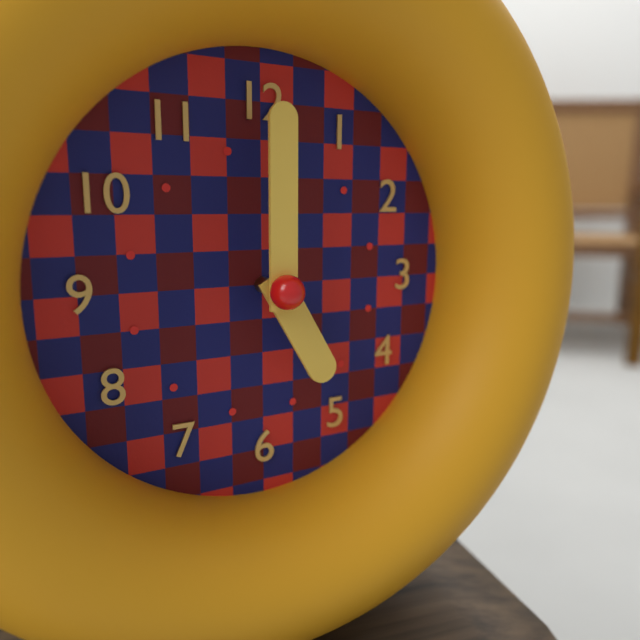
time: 5:00
